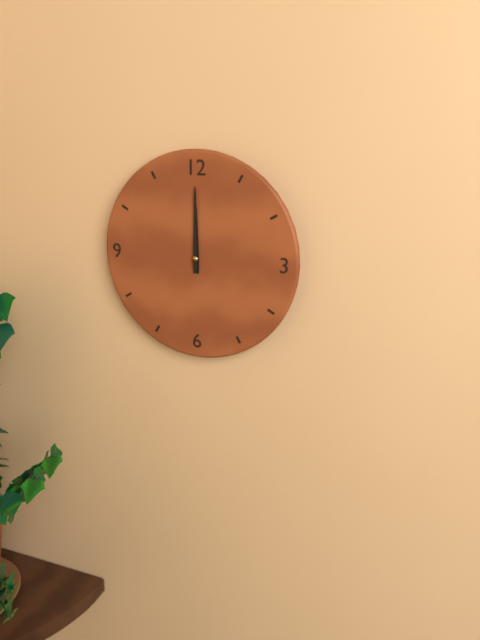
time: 12:00
